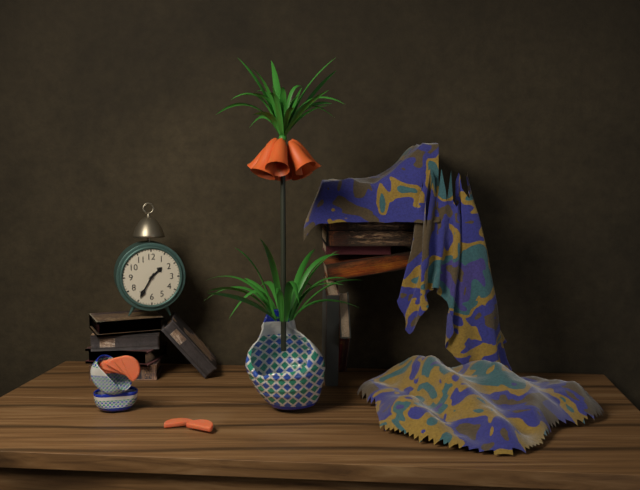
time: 1:35
